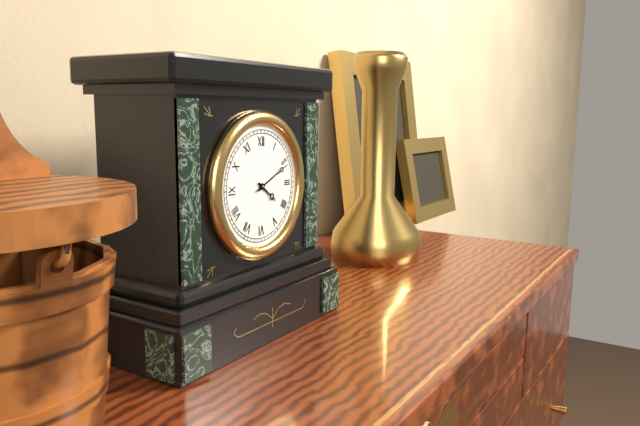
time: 4:11
